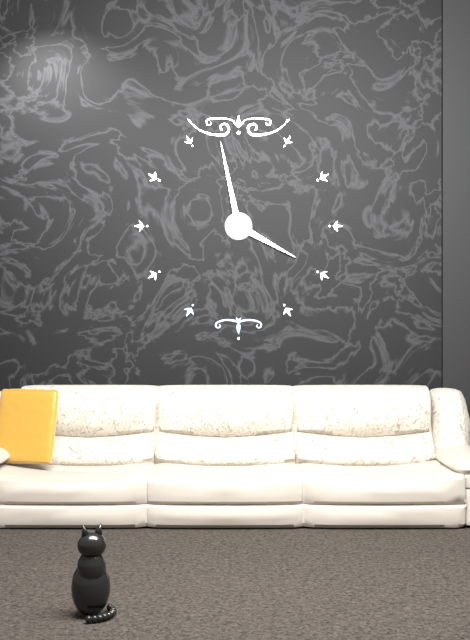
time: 3:58
